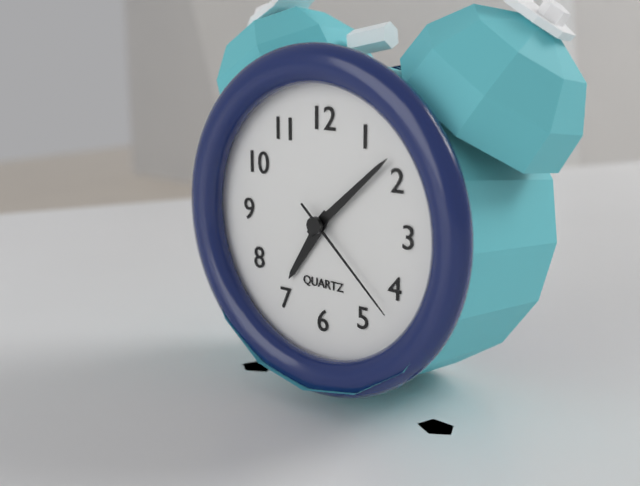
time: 7:08:22
